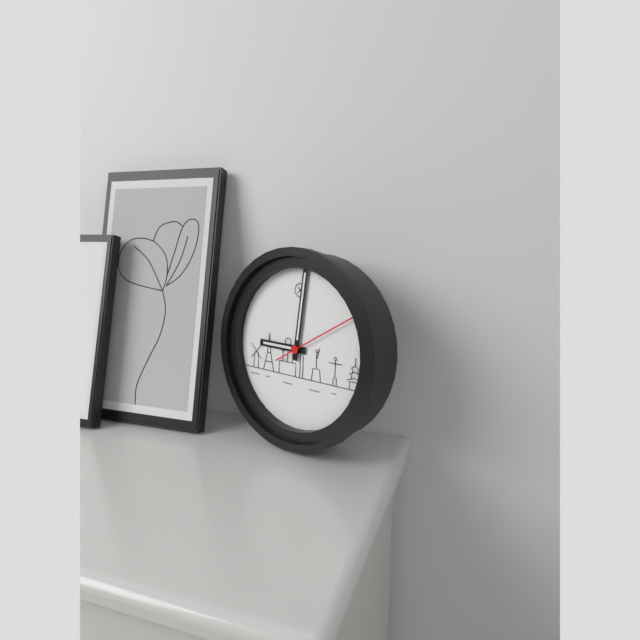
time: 9:01:10
